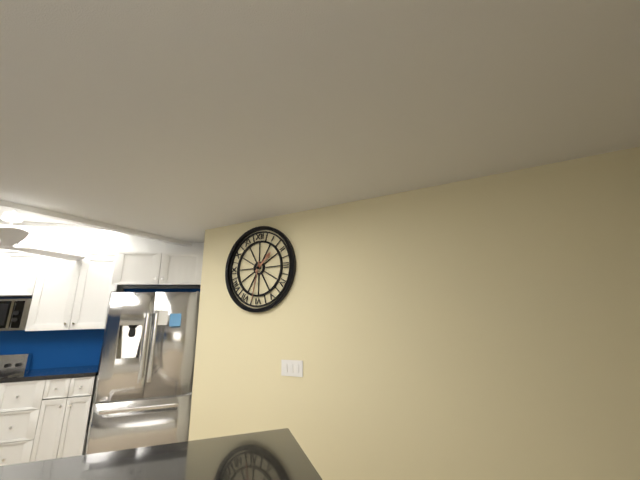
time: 1:32
